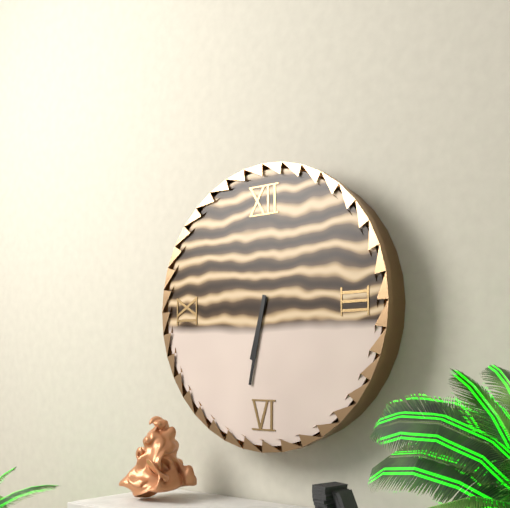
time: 6:32
